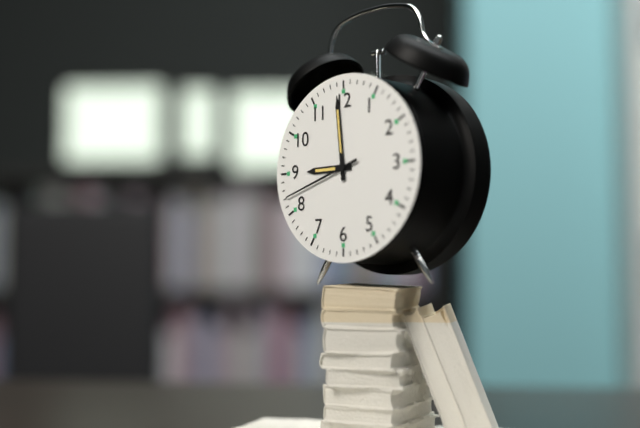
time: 8:59:42
